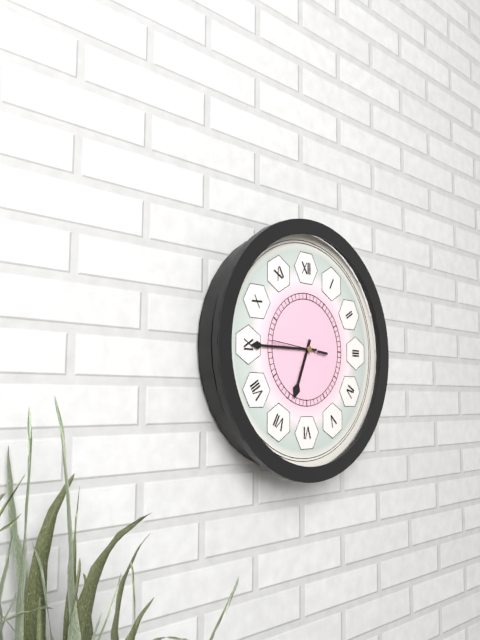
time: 6:45
